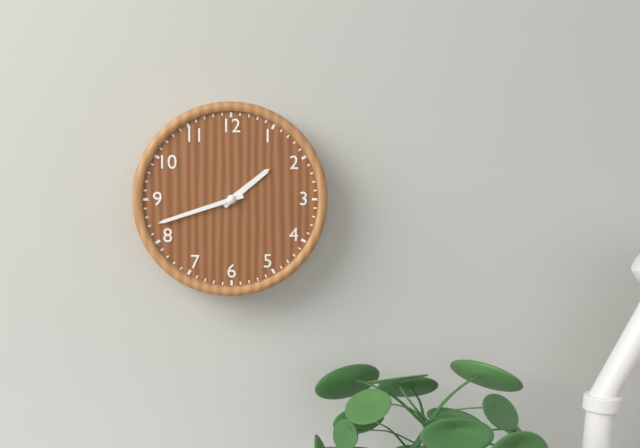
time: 1:42
